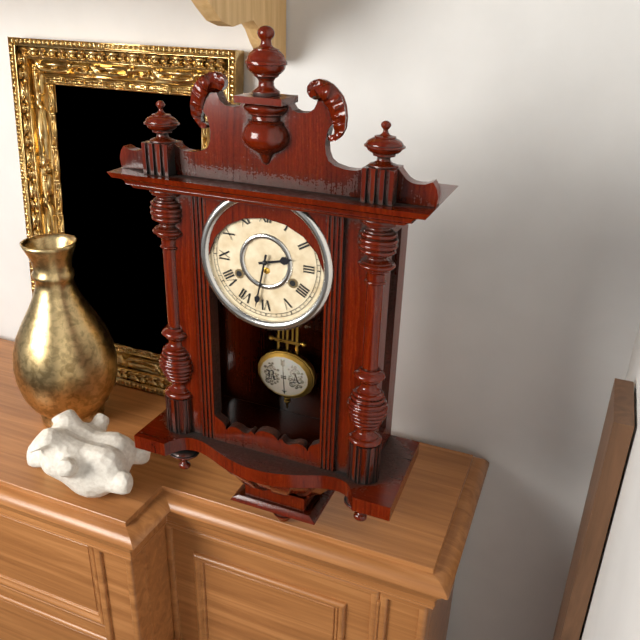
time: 2:32
